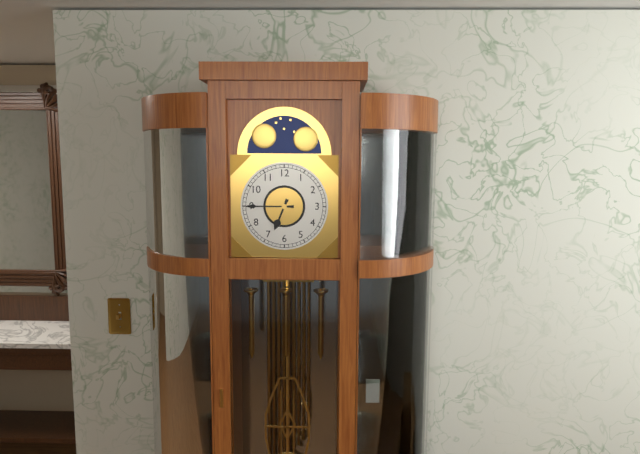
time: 6:45
